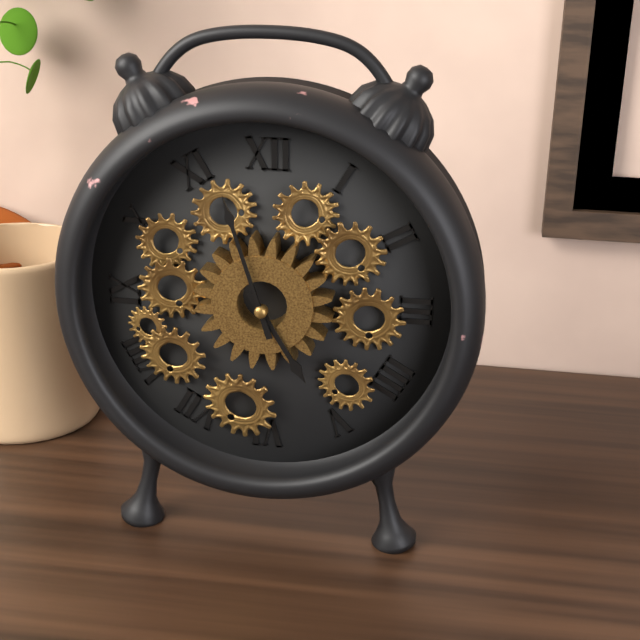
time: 4:57
